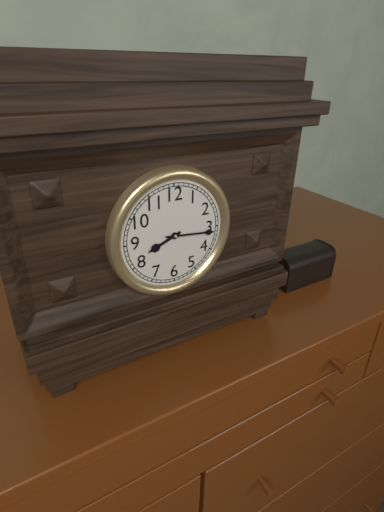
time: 8:16
